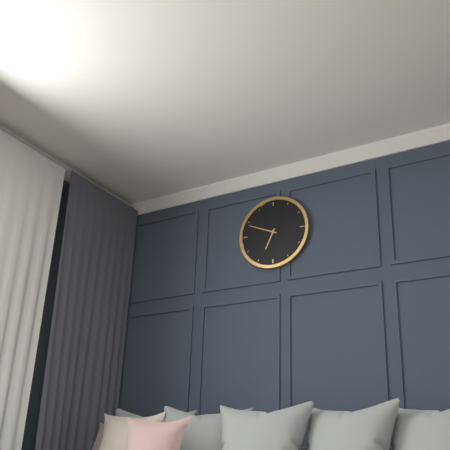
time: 6:49
